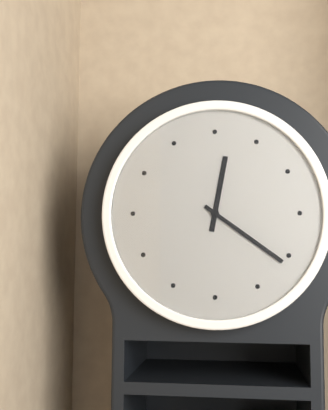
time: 12:21
